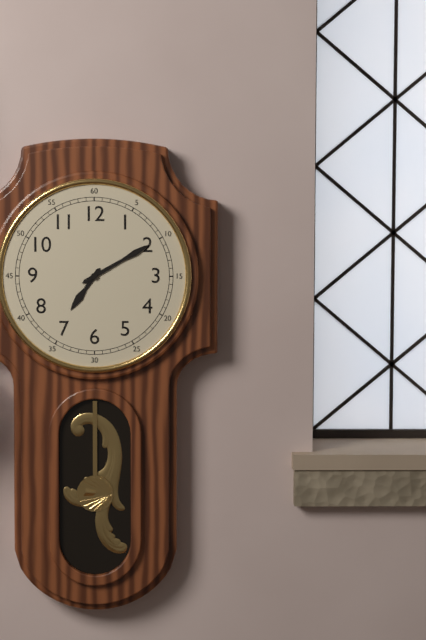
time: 7:10
